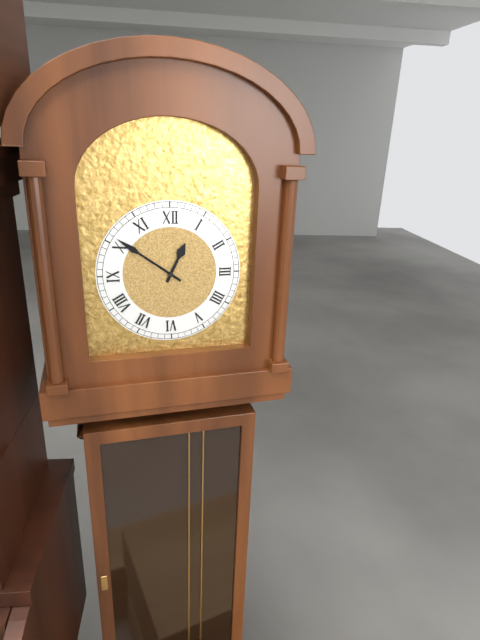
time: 12:51
